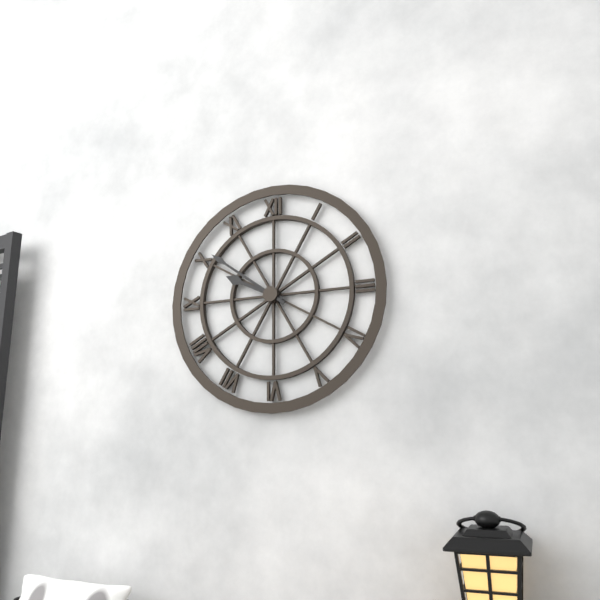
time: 9:51
